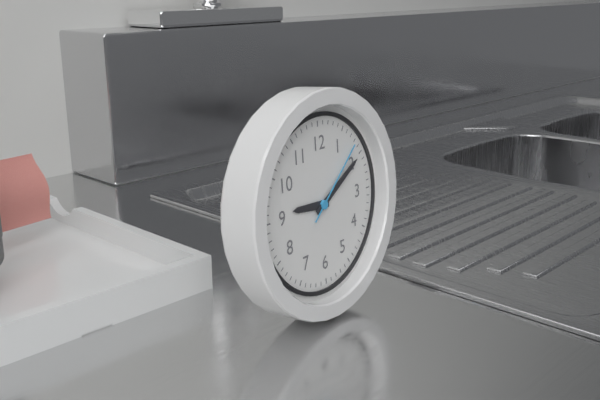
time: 9:10:08
